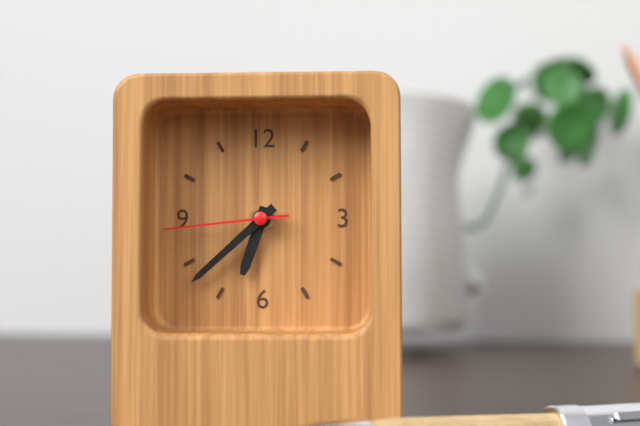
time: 6:38:44
